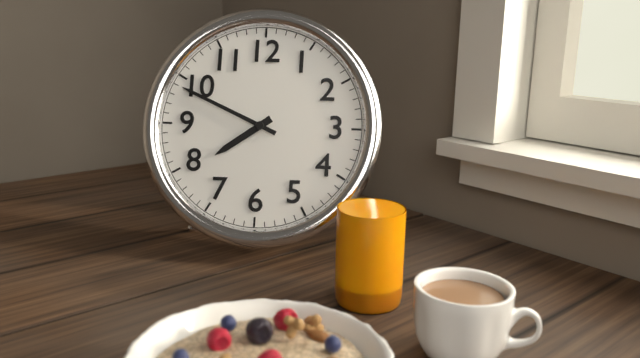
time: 7:49
